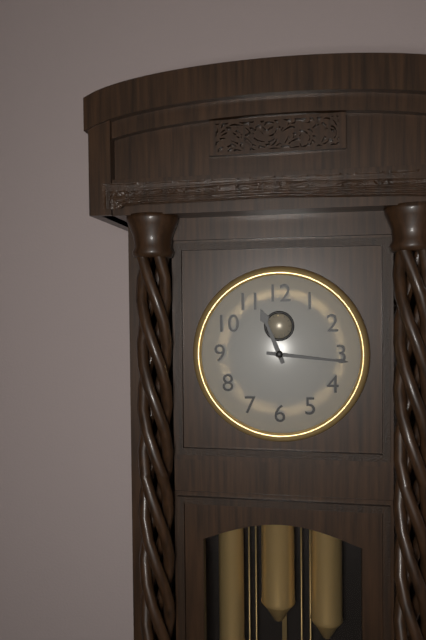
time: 11:16
